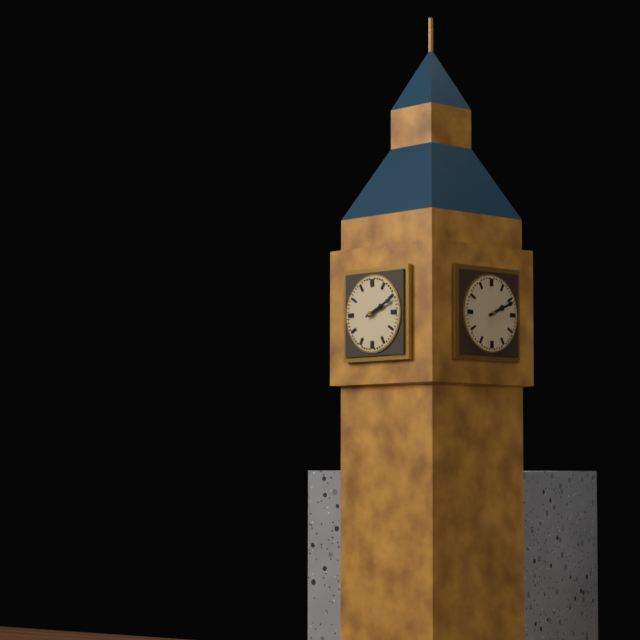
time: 2:11
